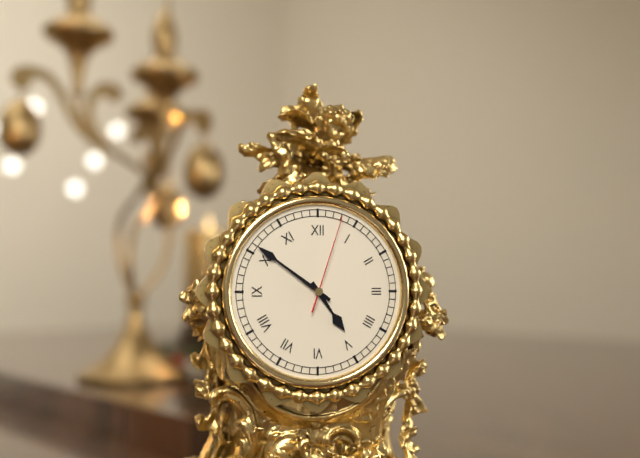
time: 4:51:03
